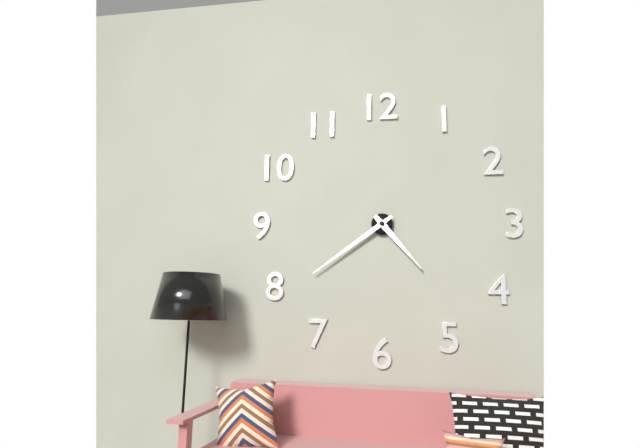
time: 4:39
